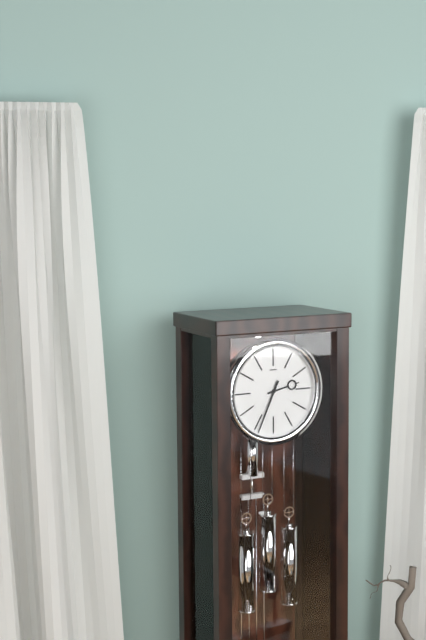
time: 2:34
